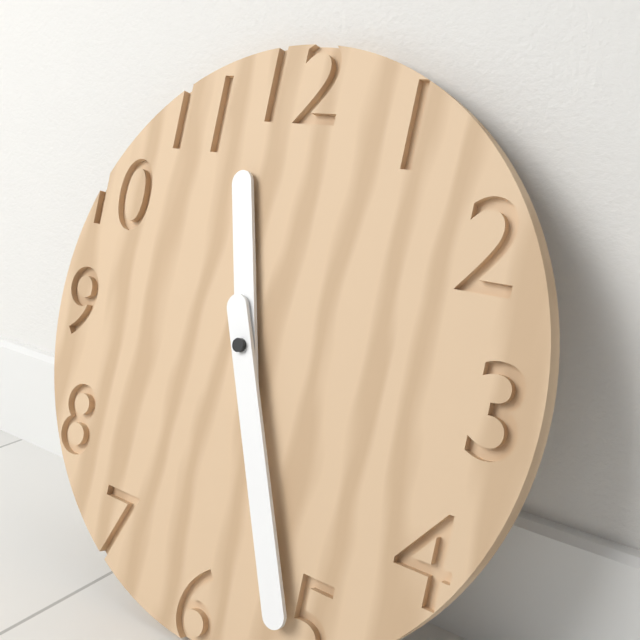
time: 11:26
